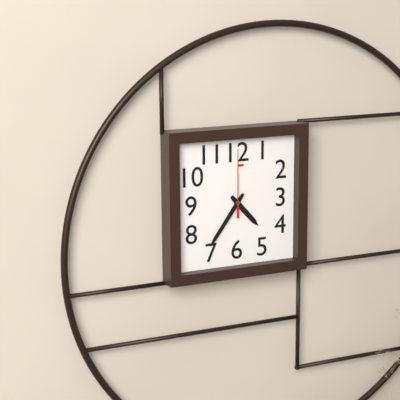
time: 4:36:00
